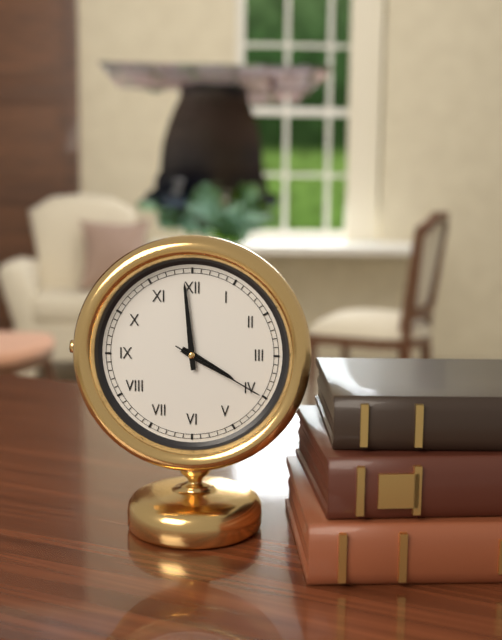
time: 3:59:20
